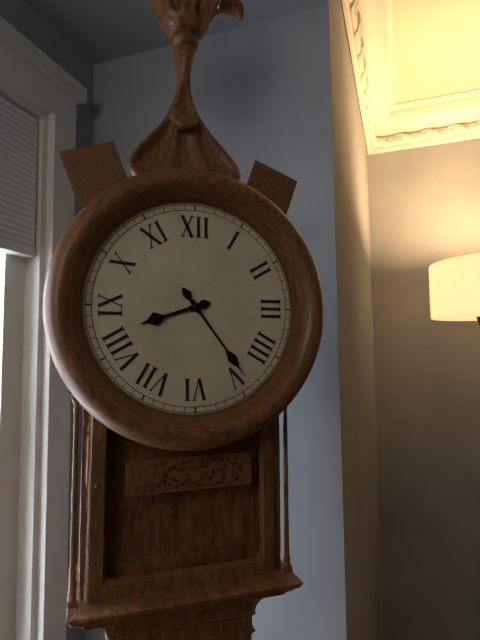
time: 8:24
